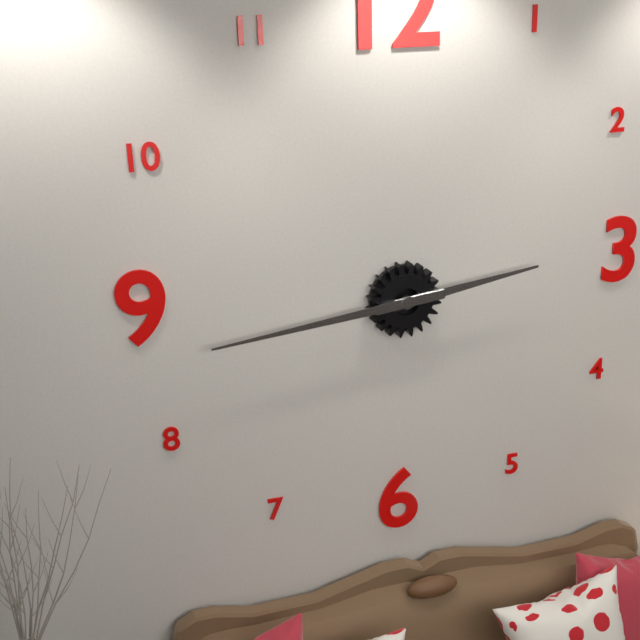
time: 2:44
